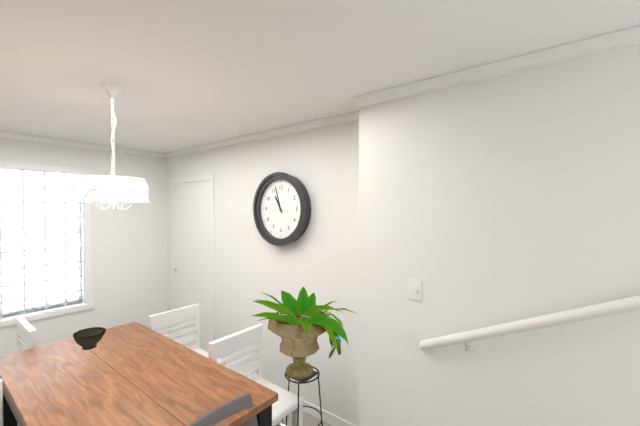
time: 10:57
